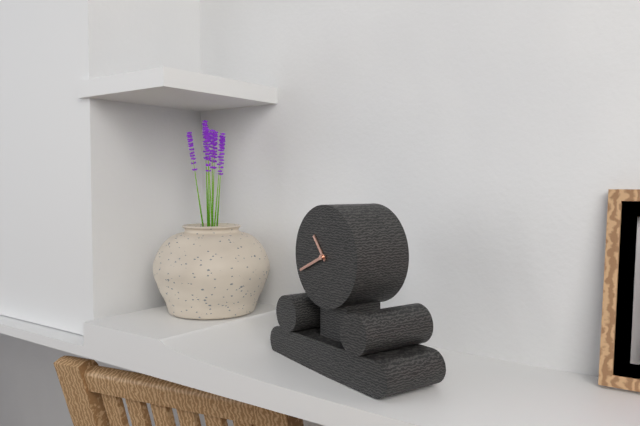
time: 10:41
